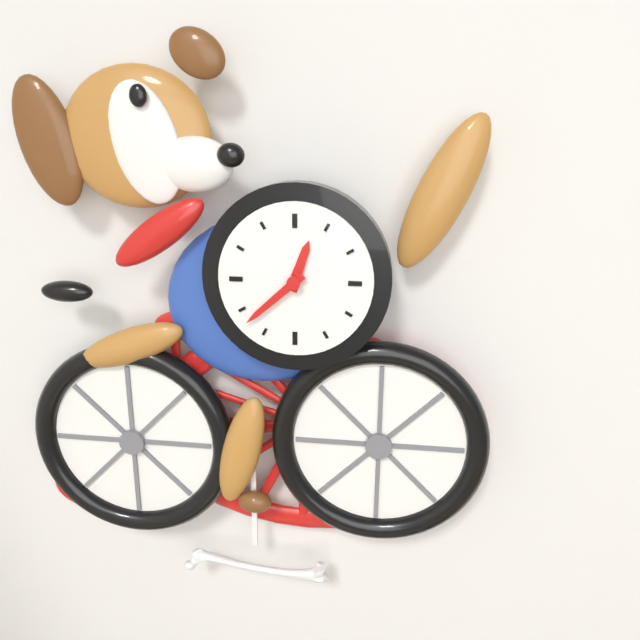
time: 12:38
